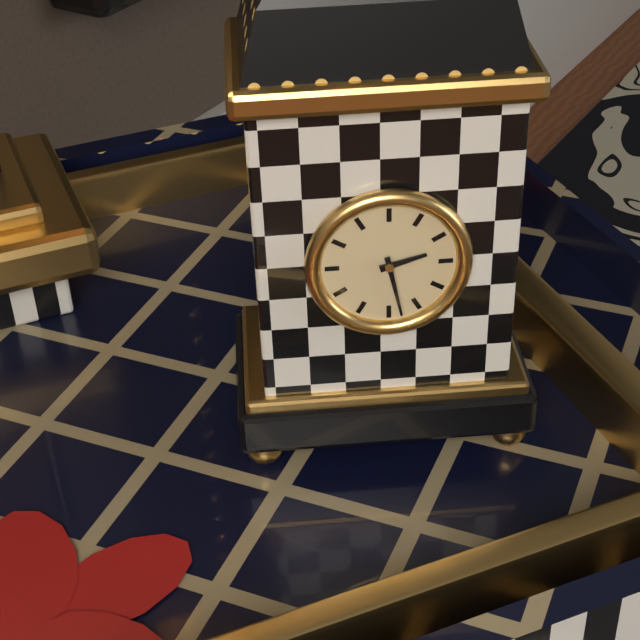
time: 2:28
